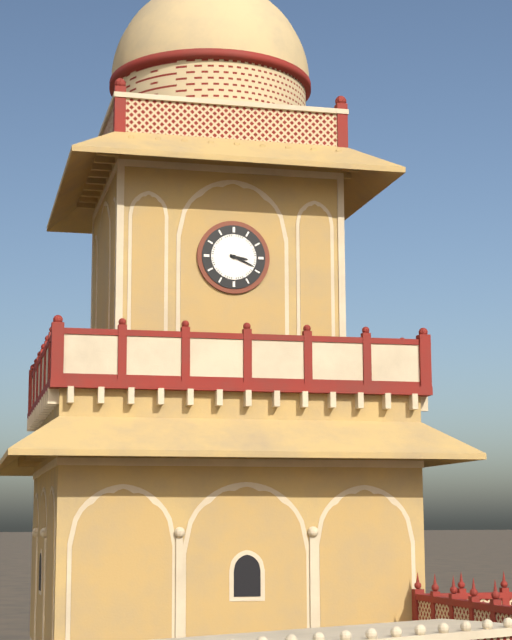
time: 3:19
